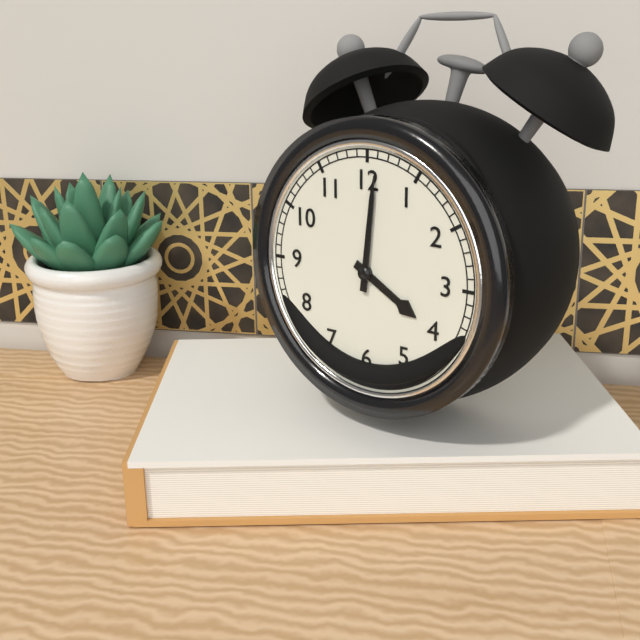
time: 4:01
